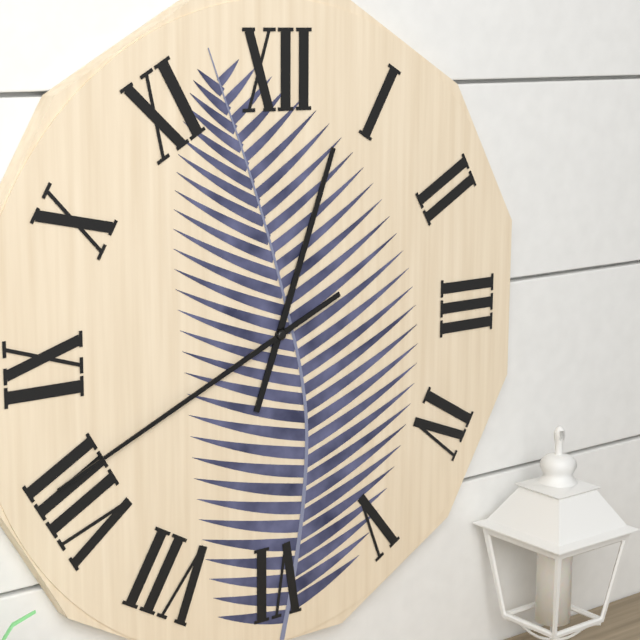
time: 12:41
